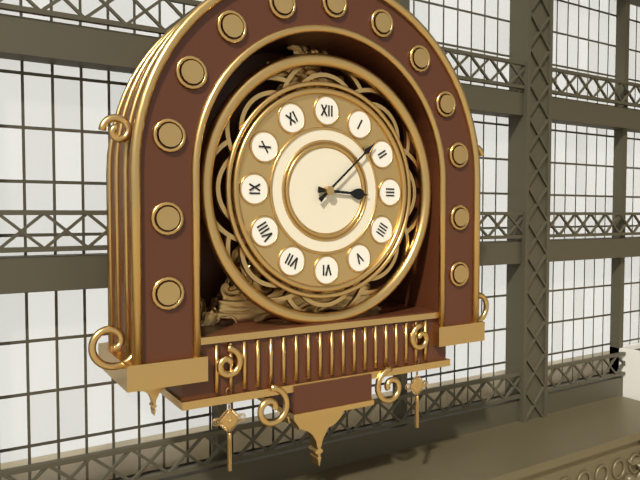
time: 3:08
